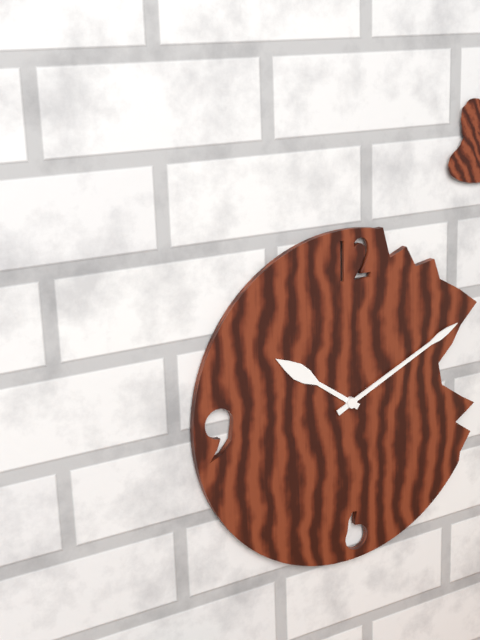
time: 10:11
